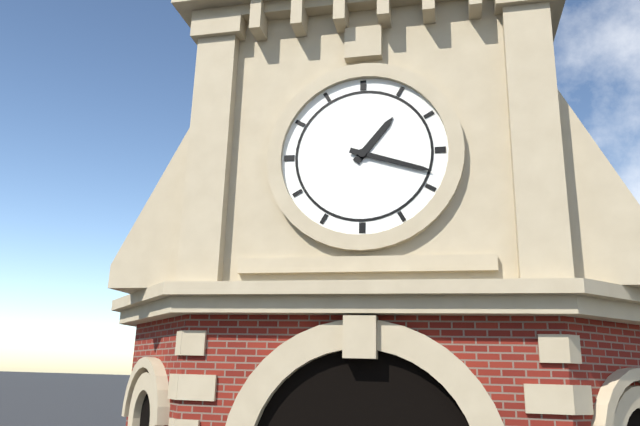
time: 1:18
